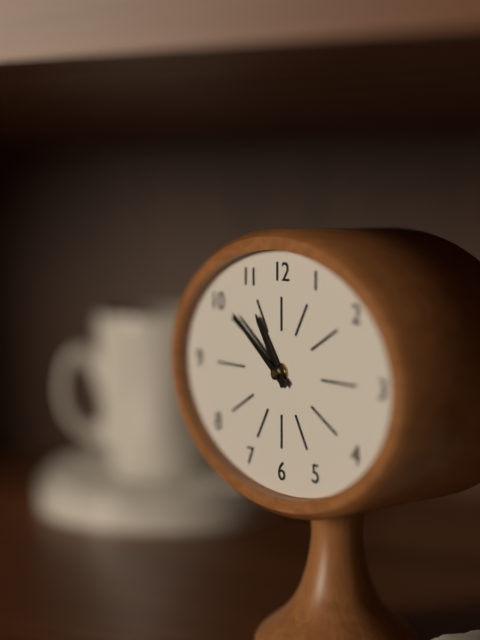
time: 10:51
